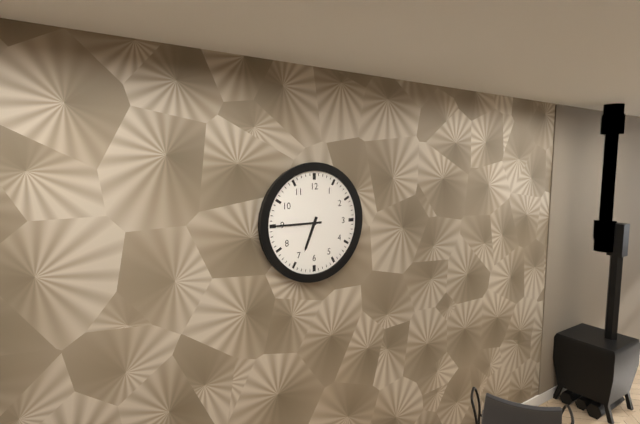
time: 6:45
